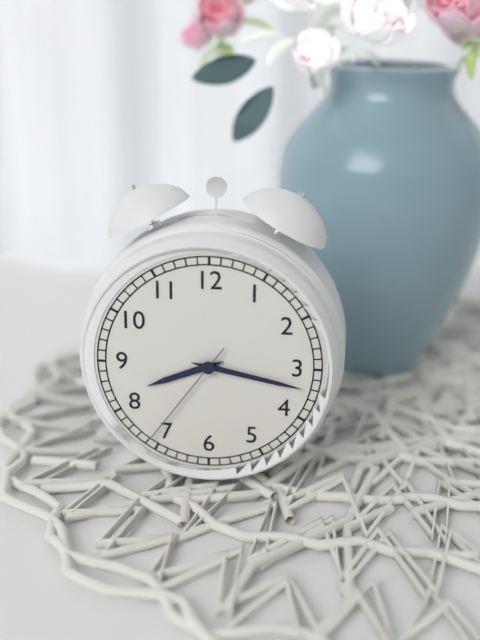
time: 8:17:36
